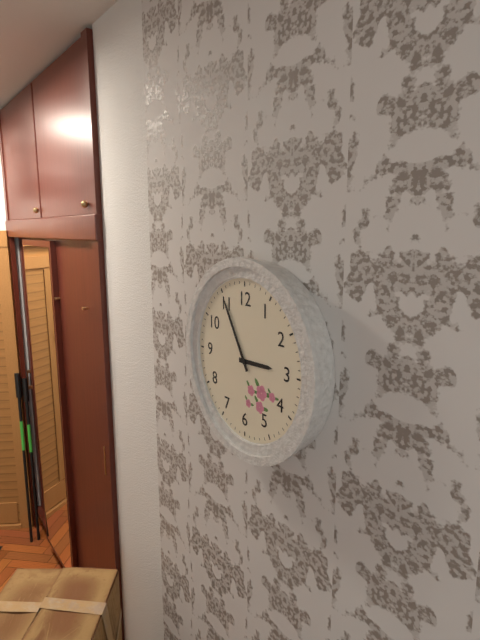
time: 2:55
